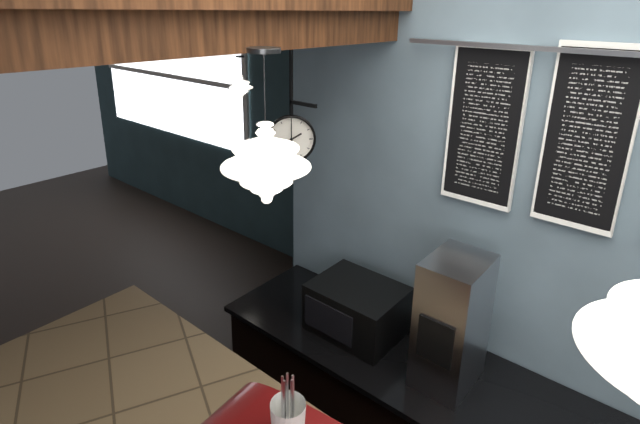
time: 2:00
